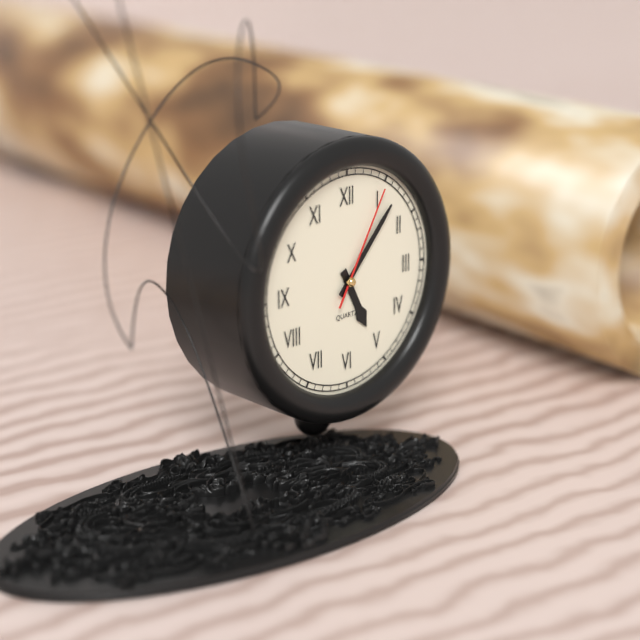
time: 5:07:05
